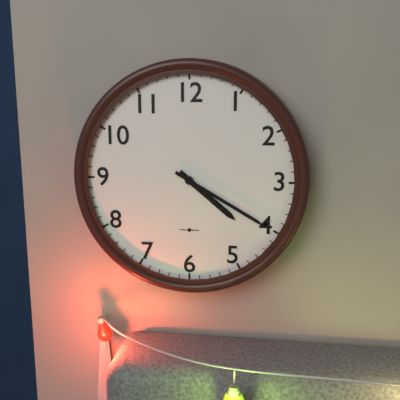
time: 4:20
